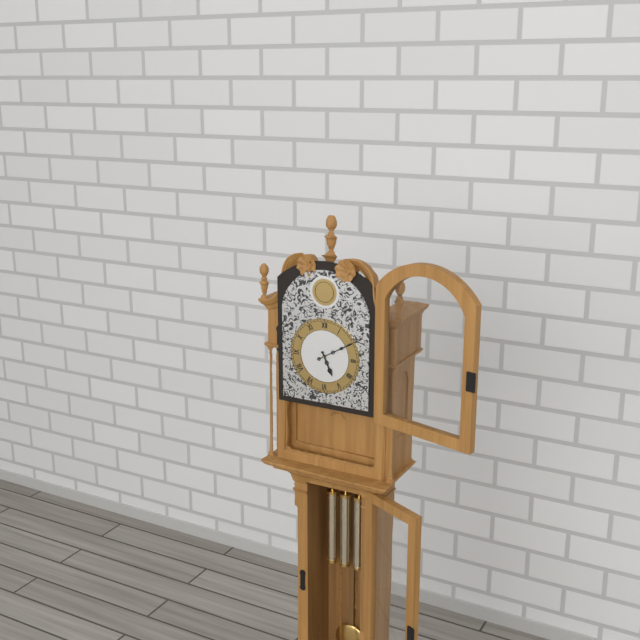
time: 5:10
